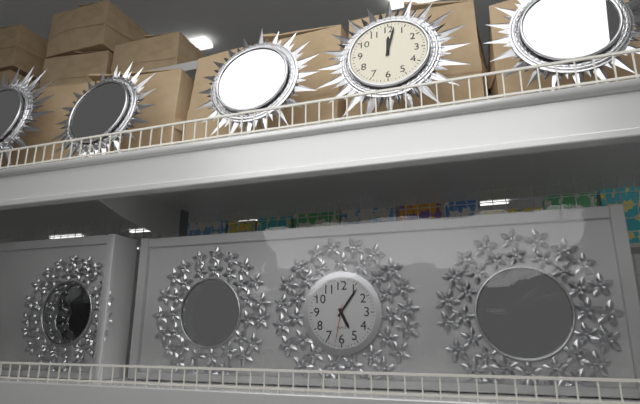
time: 5:06
